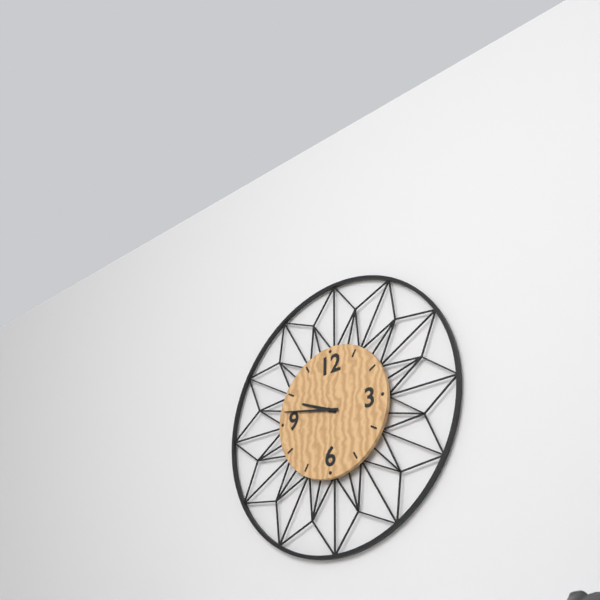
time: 9:47
